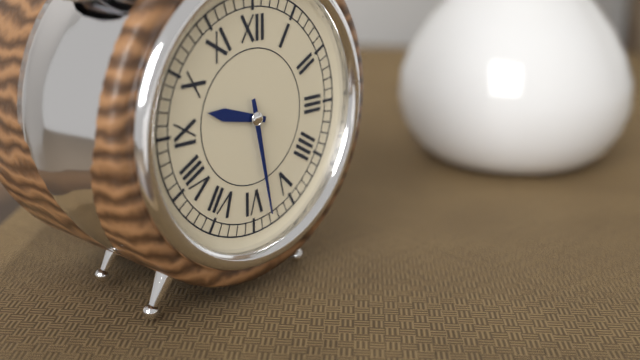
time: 9:28
